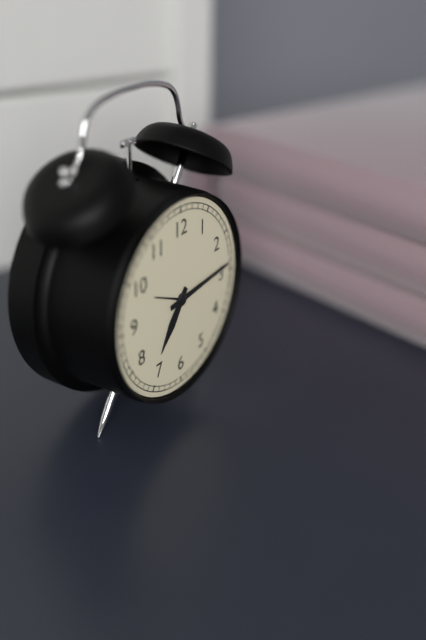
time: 7:14
